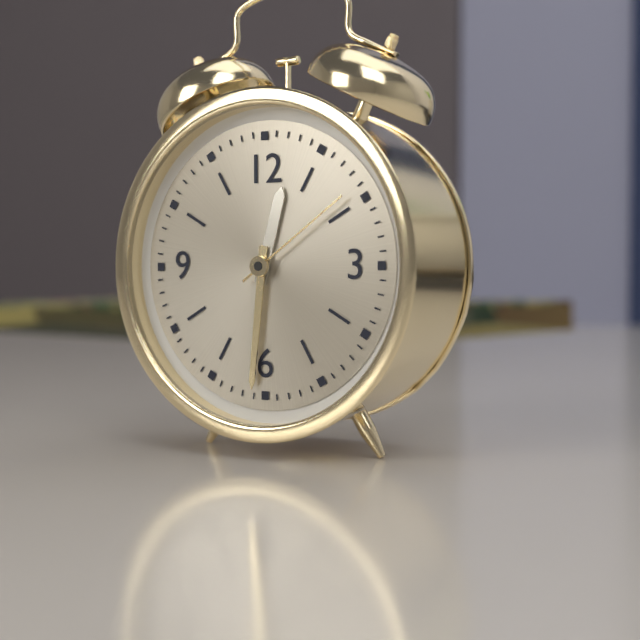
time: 12:31:09
